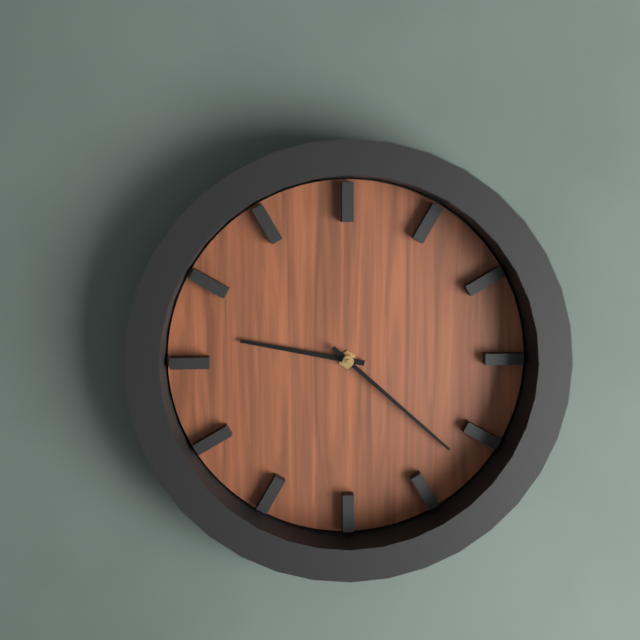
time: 9:22
